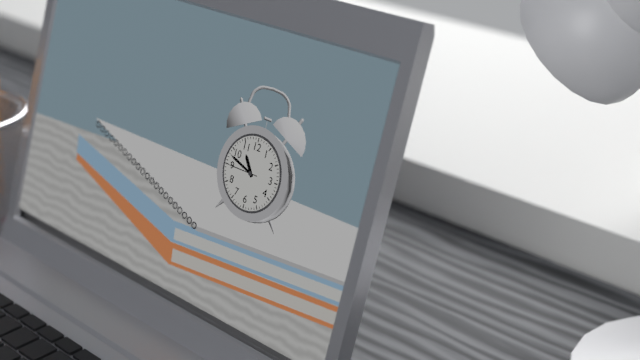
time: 10:48
